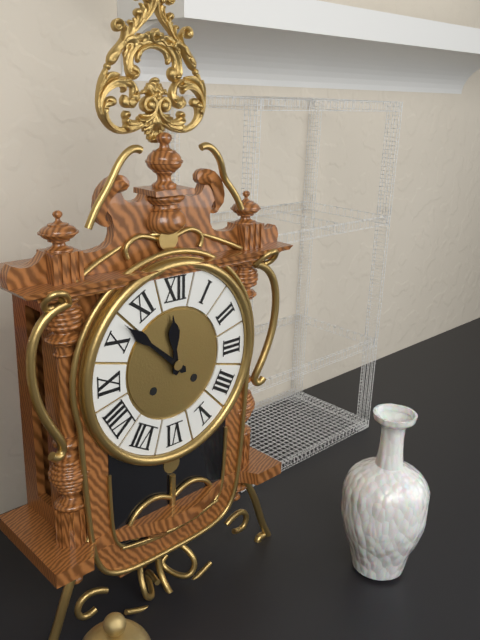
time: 11:52
